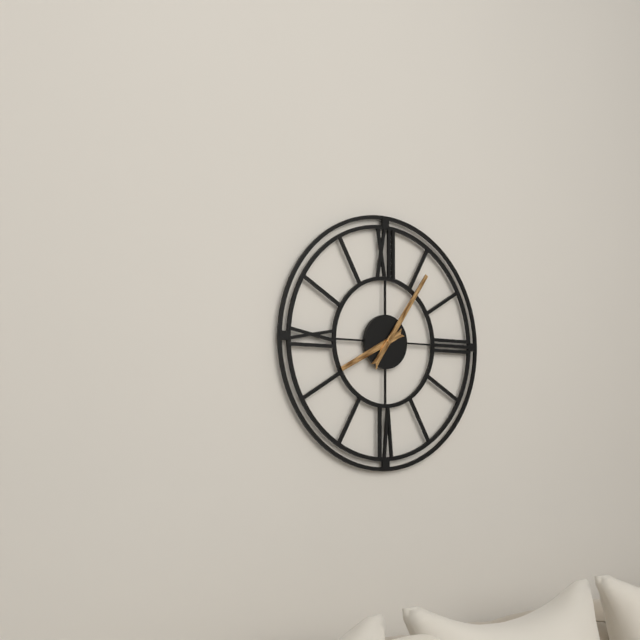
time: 8:06
